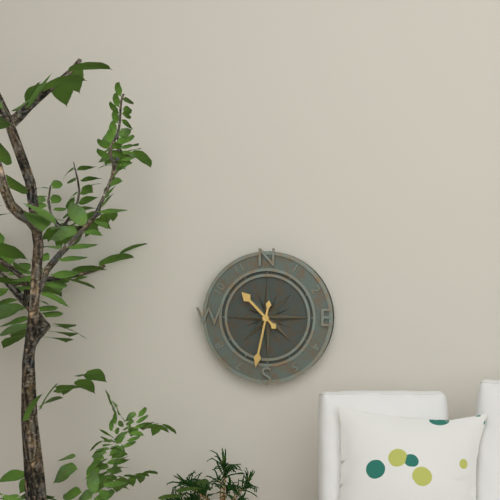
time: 10:32
